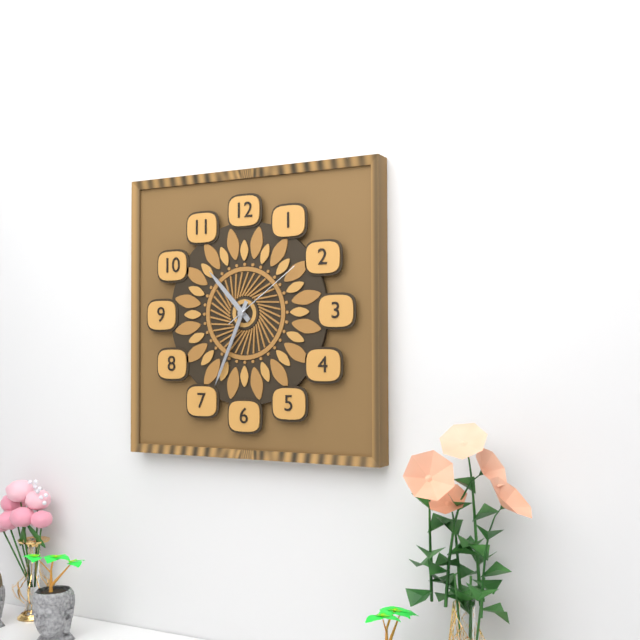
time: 10:34:09
